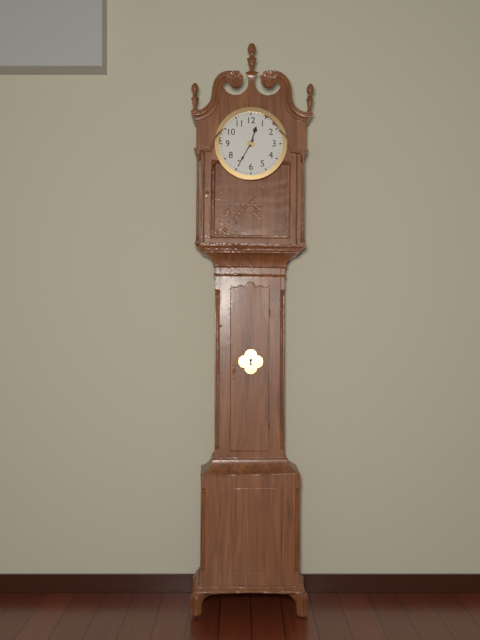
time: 12:35
